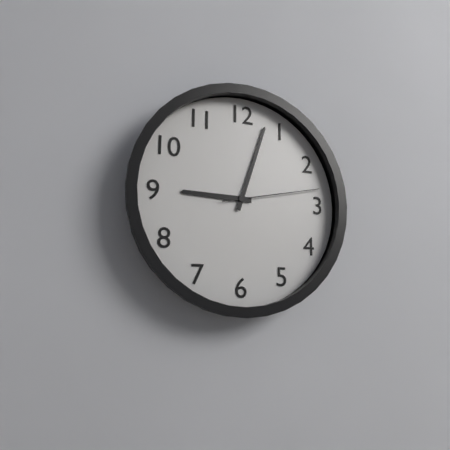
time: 9:03:13
